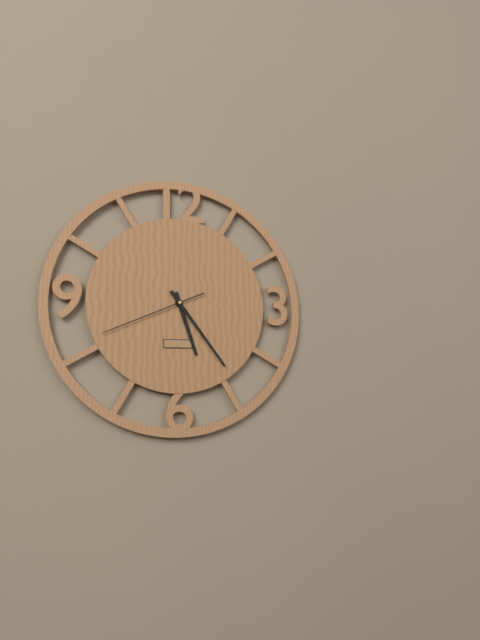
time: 5:24:41
